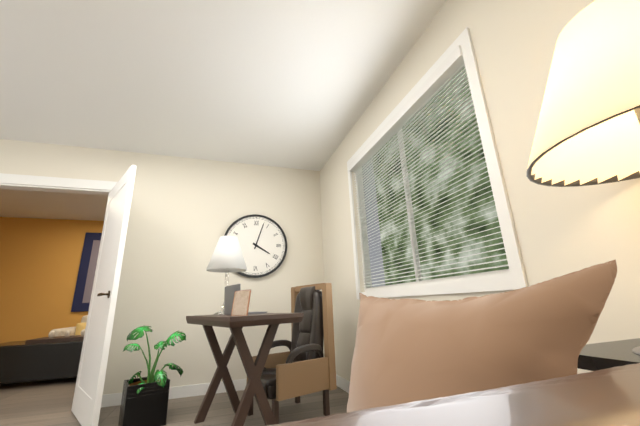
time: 4:03
